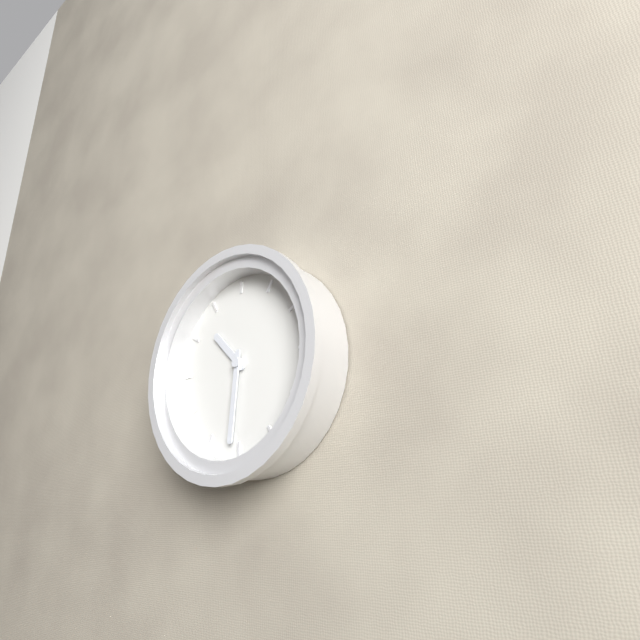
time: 10:31
